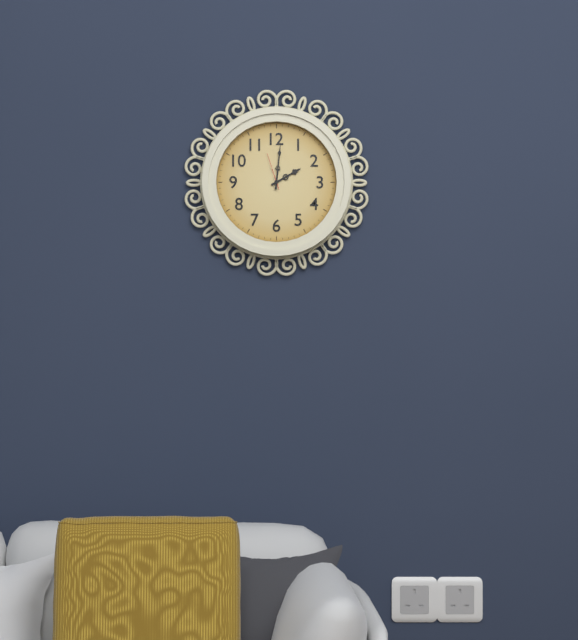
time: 2:01
